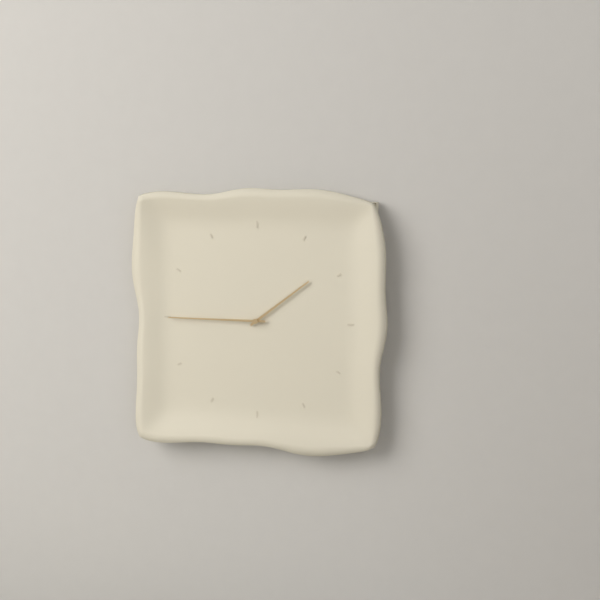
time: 1:45
